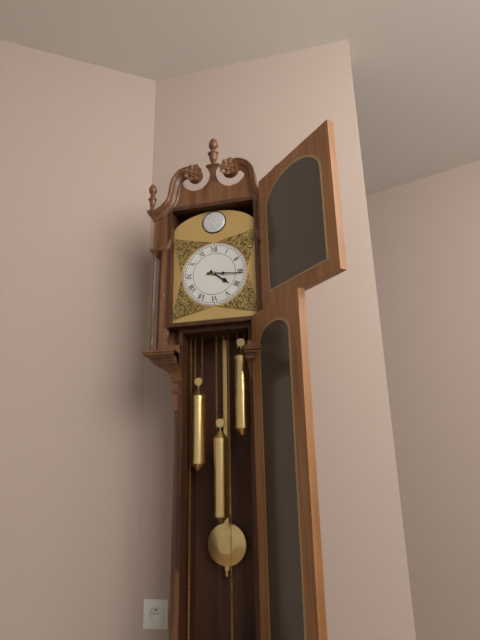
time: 4:16
